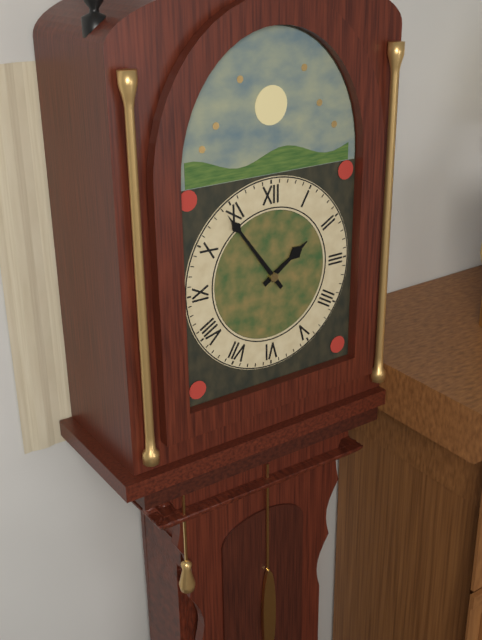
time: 1:54
